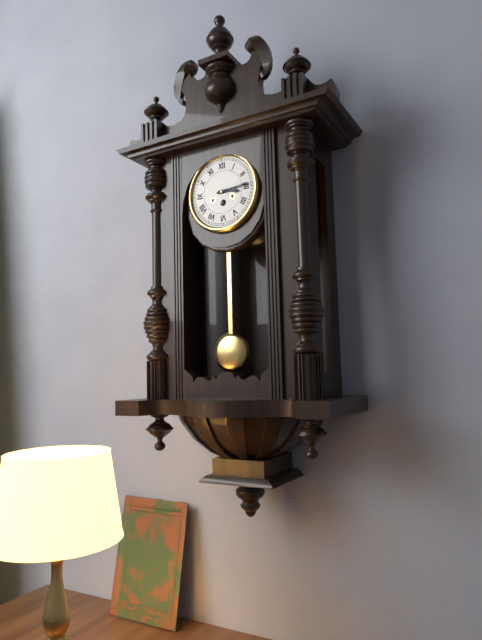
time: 3:14
